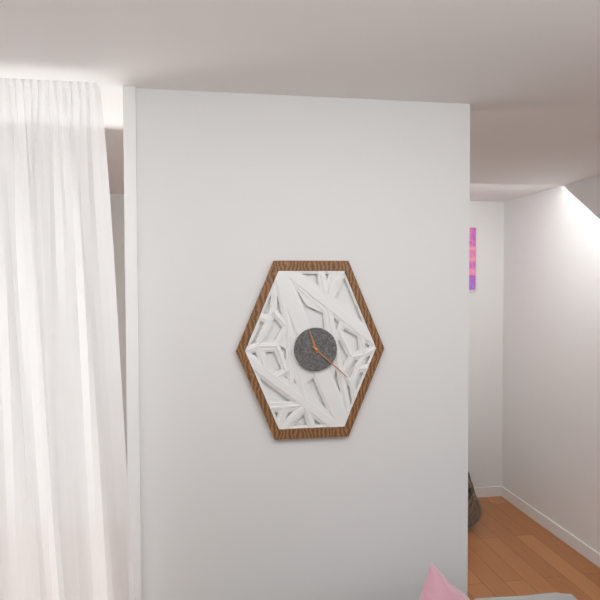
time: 11:22
